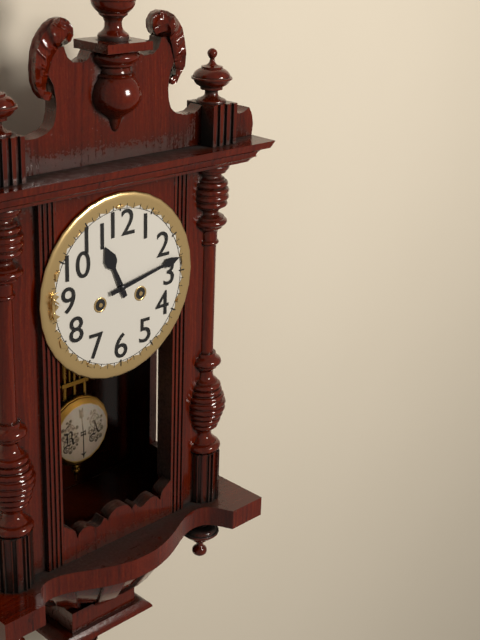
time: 11:13
